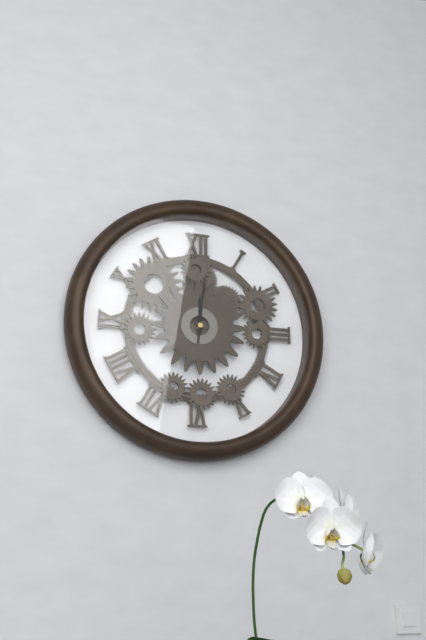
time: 12:01
